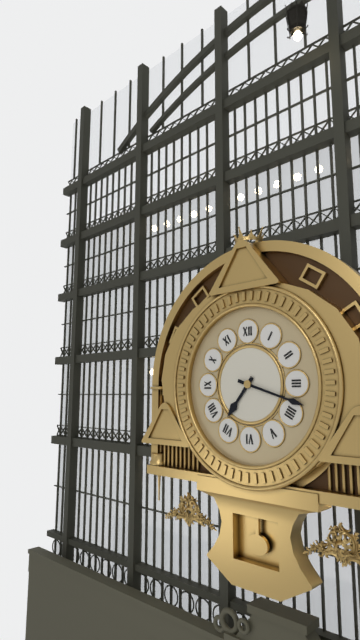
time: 7:18
